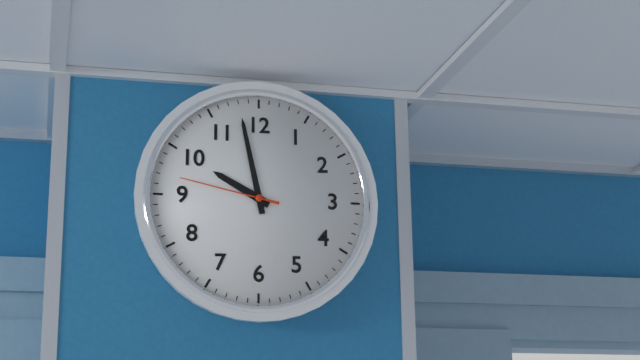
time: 9:58:47
